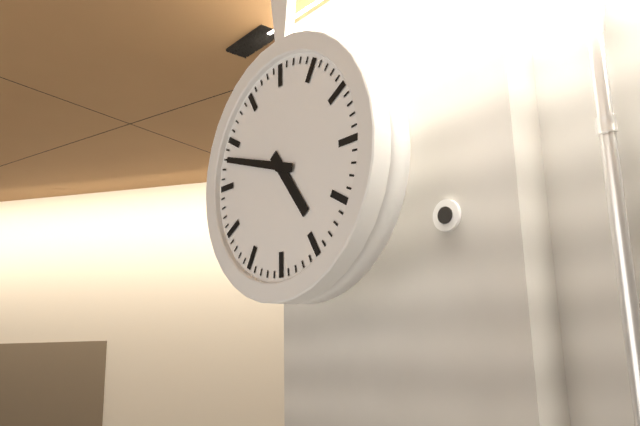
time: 4:48
